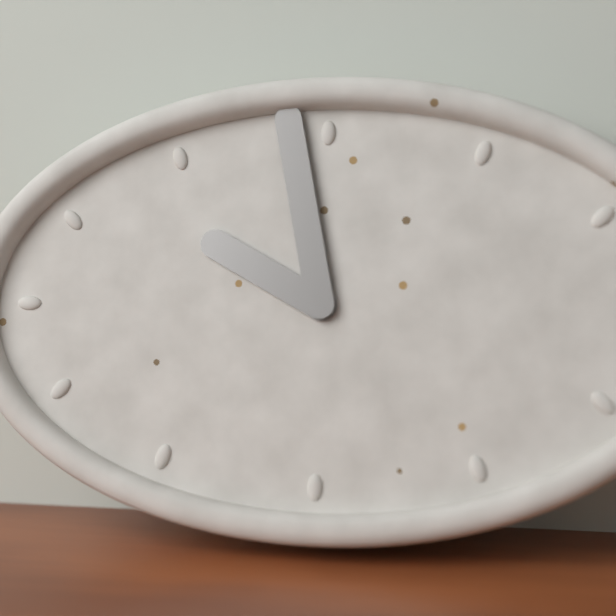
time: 9:58
